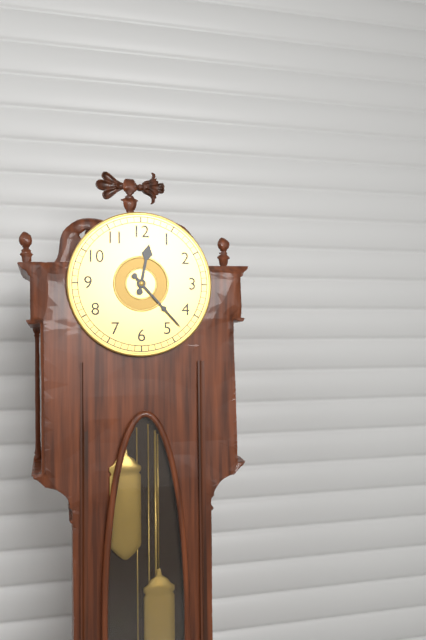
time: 12:23
